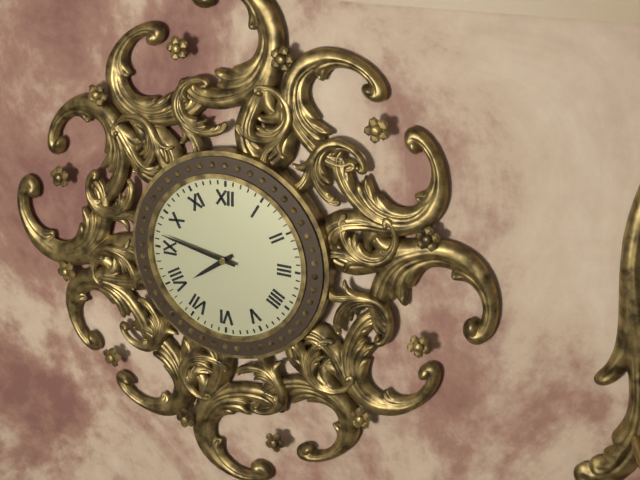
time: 7:47
